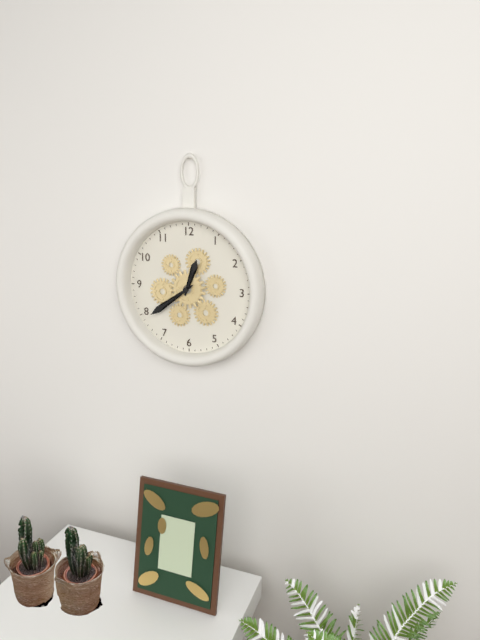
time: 12:39
